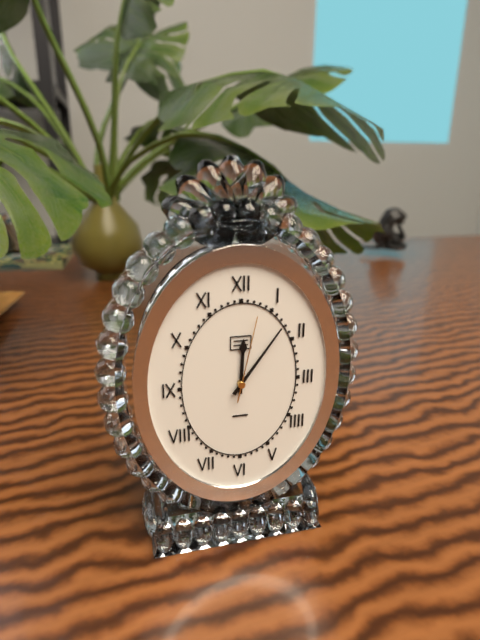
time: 12:06:02
